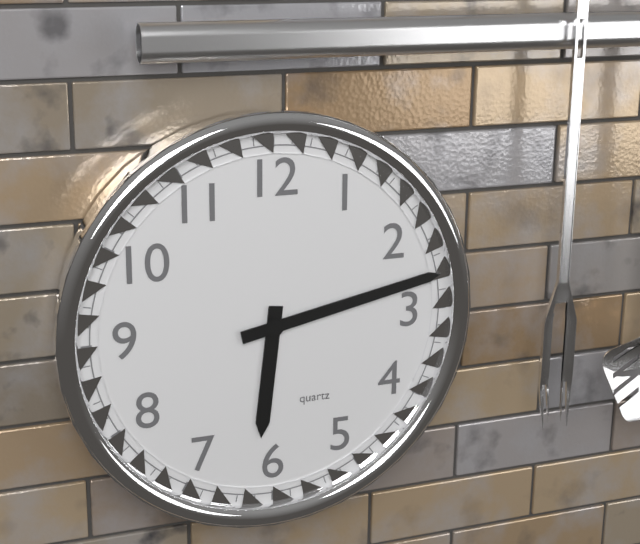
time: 6:13
